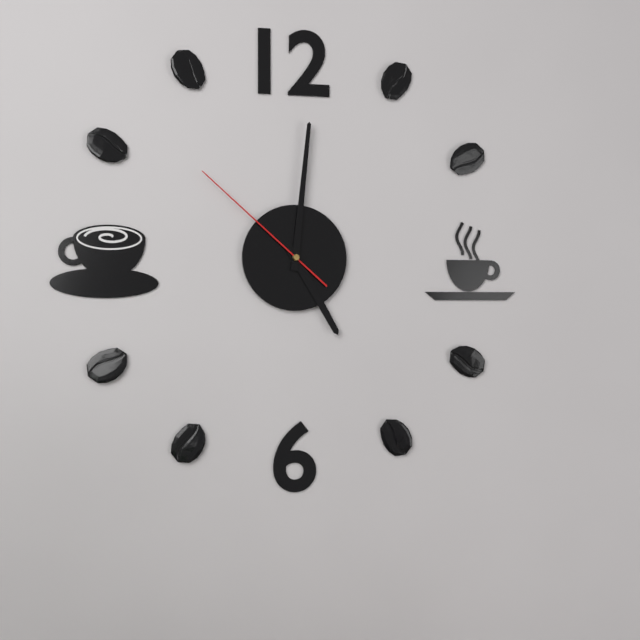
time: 5:01:52
